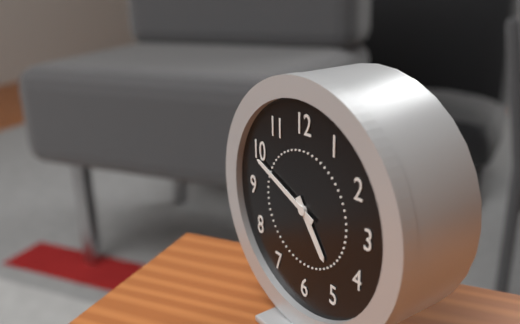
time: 4:49
